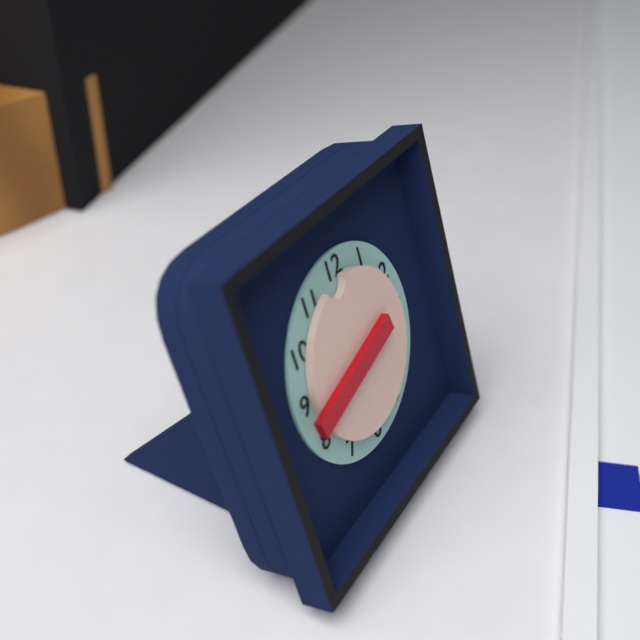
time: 11:43
